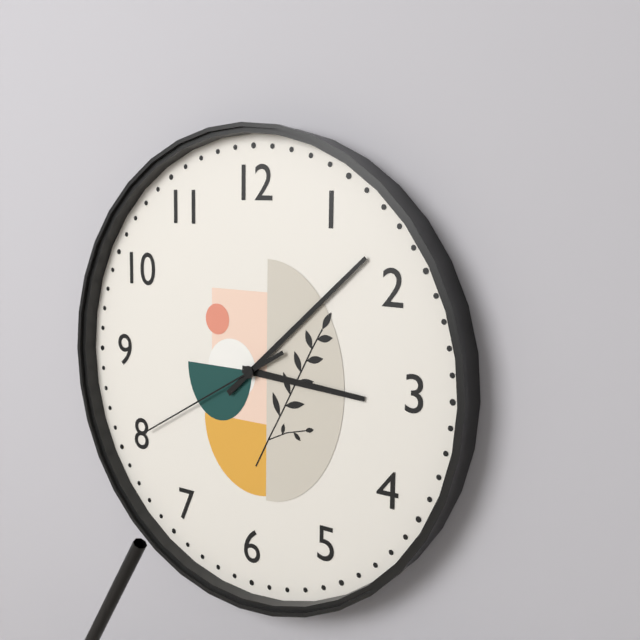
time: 3:08:40
